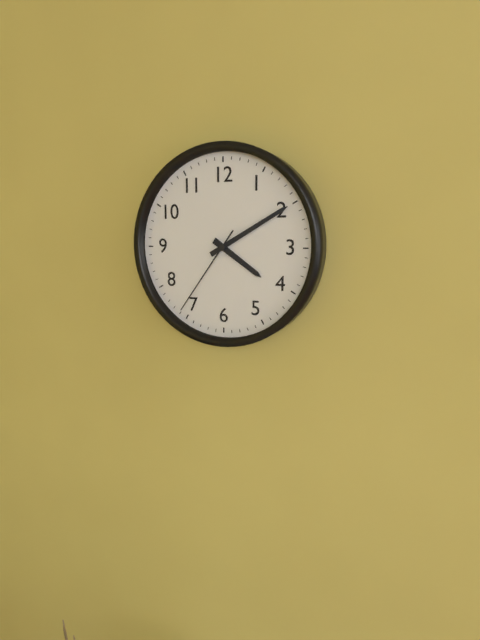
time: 4:10:36
